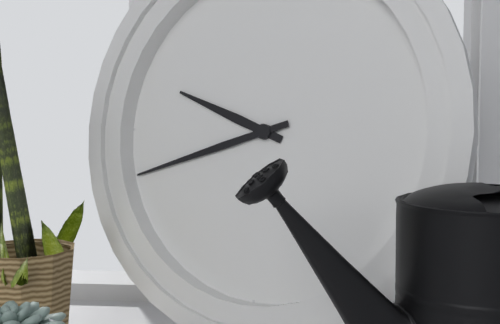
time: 9:42
